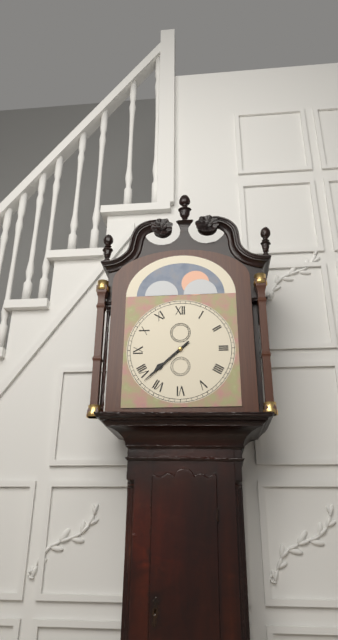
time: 7:38
